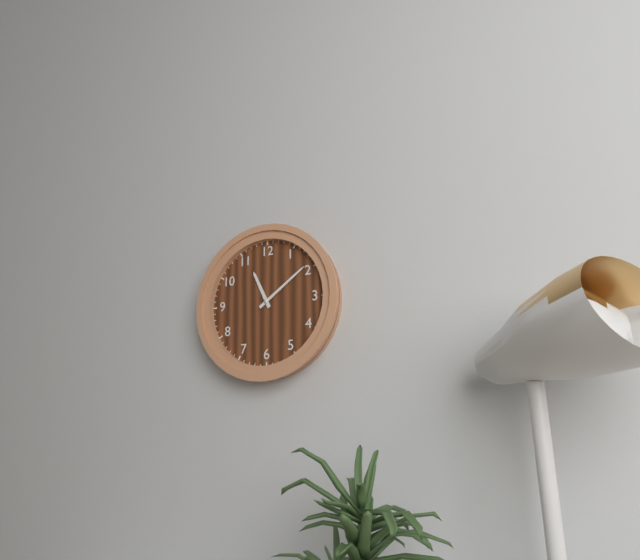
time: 11:09
